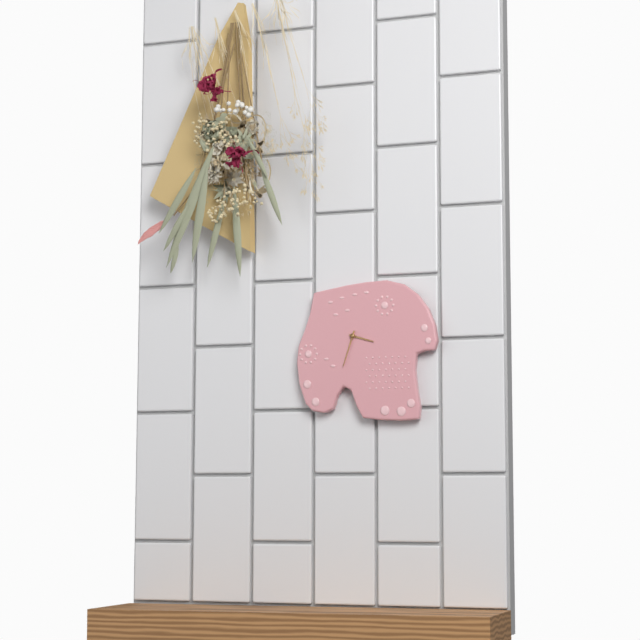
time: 3:33
